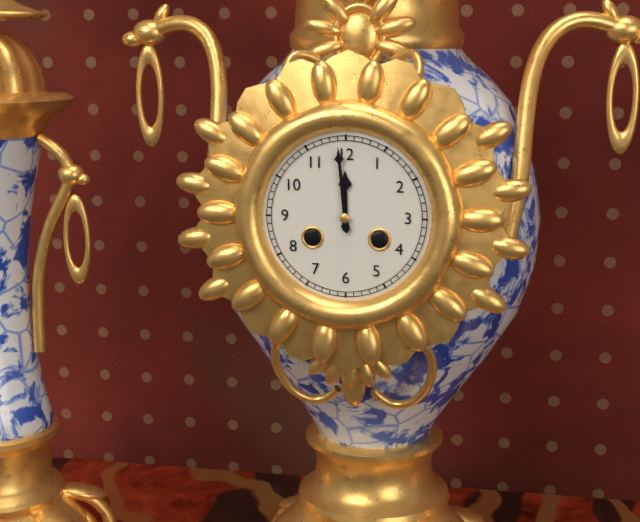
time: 11:59
